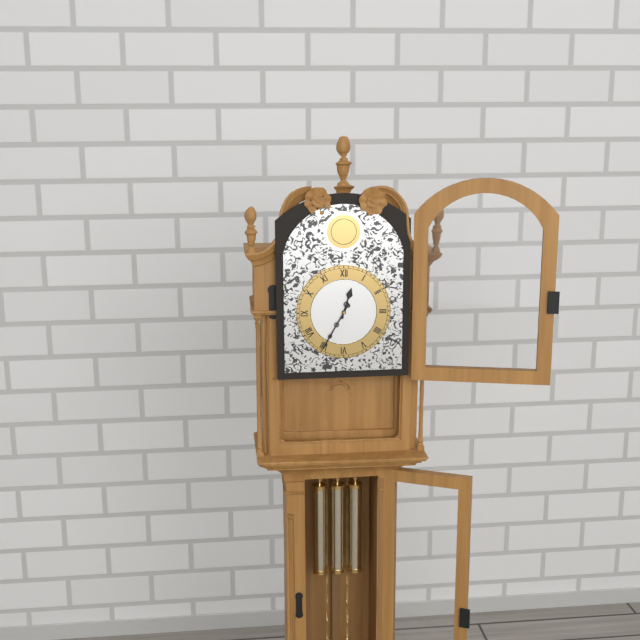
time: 12:35
